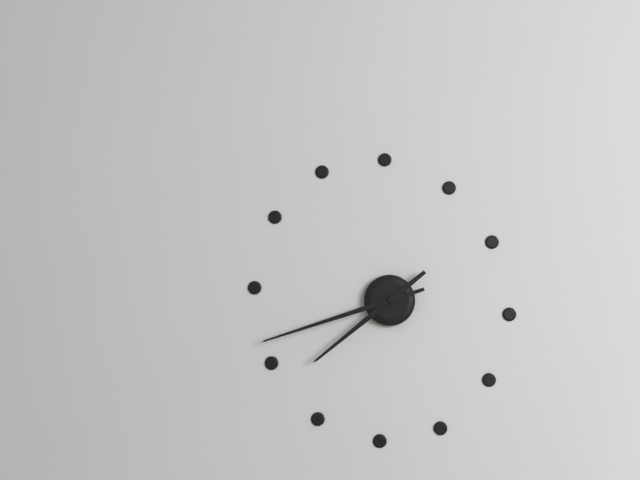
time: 7:42
